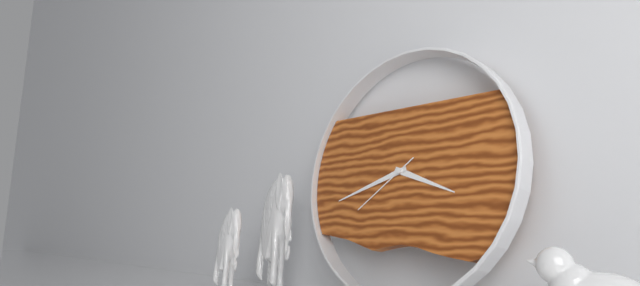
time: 3:42:39
